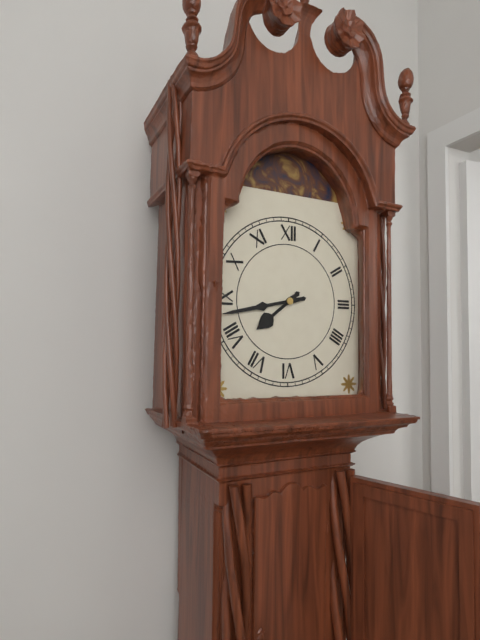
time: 7:43
